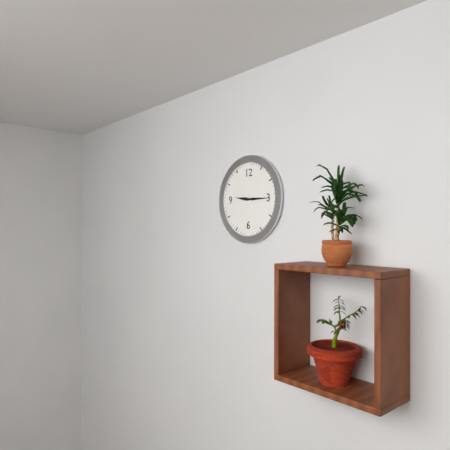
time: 9:15
